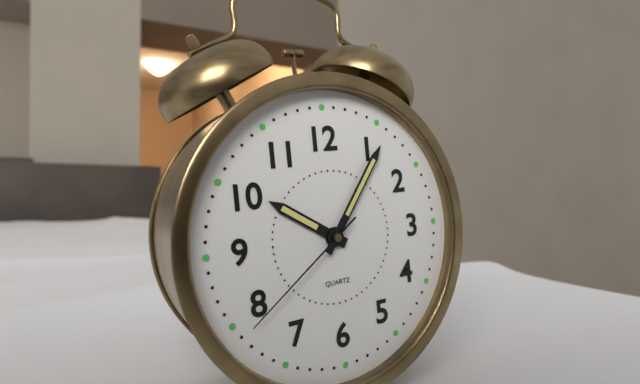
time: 10:06:39
